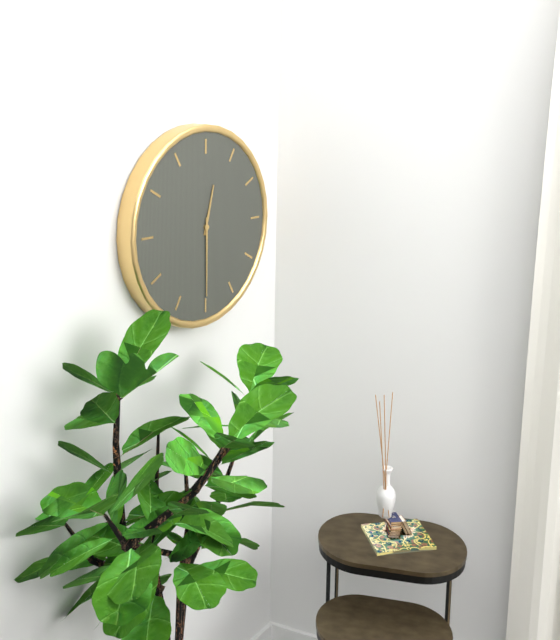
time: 12:30
